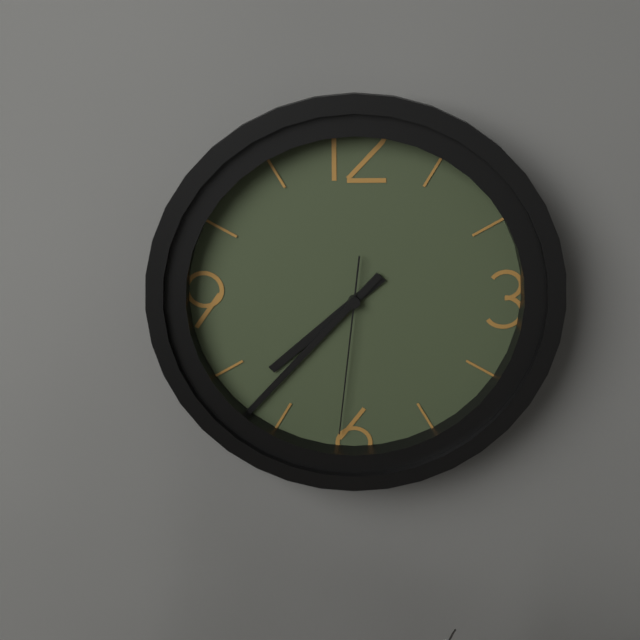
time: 7:37:31
